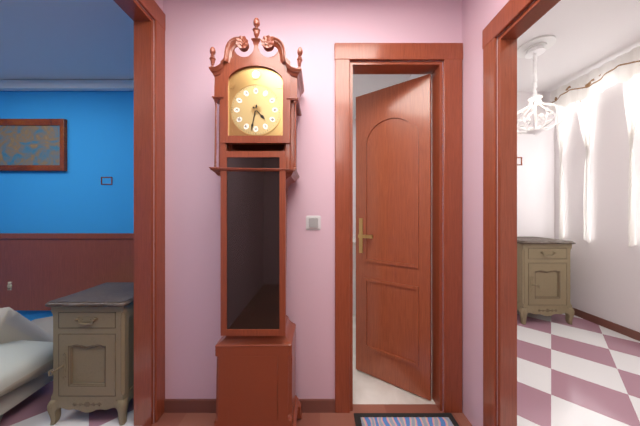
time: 4:32
